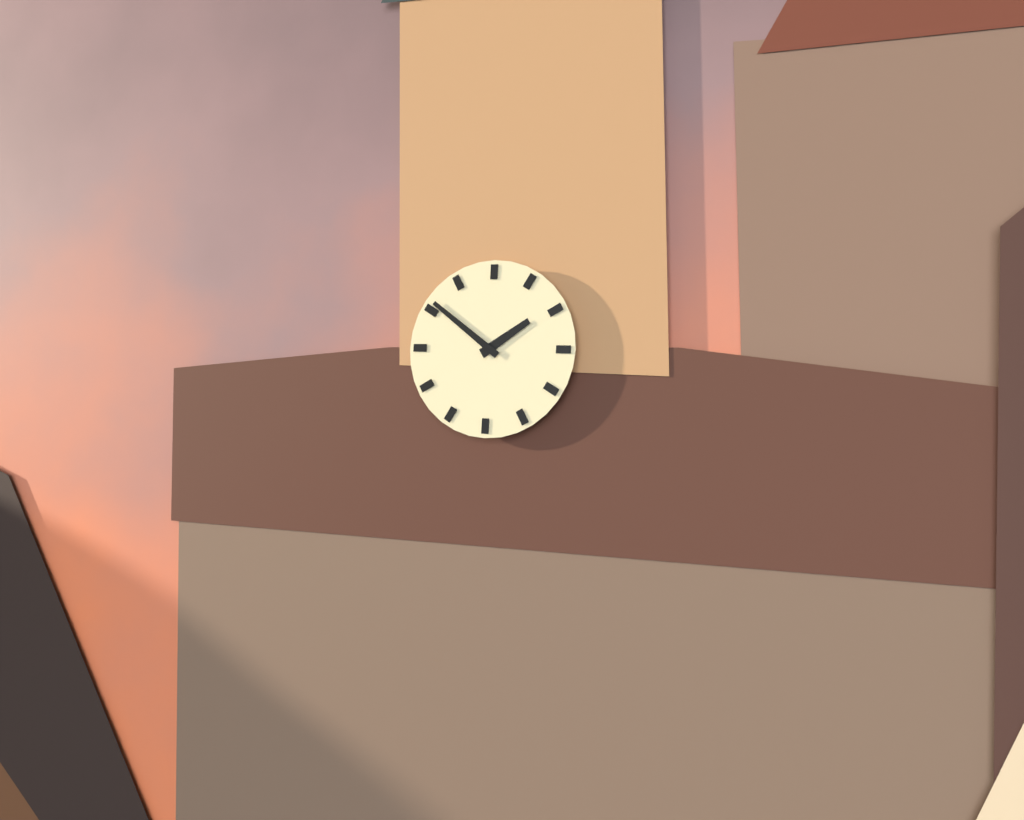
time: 1:51
